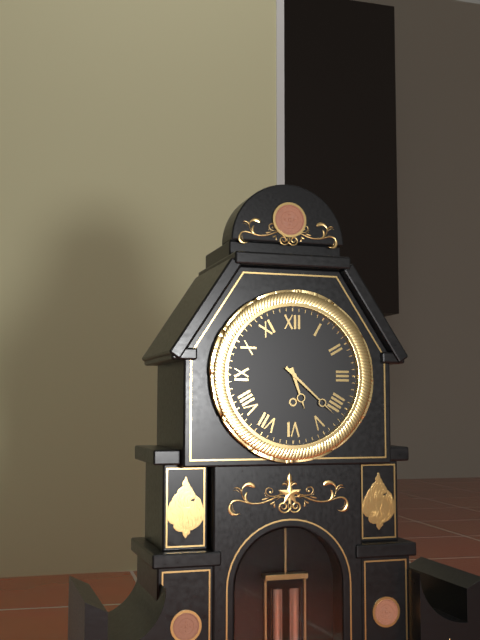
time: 5:22
